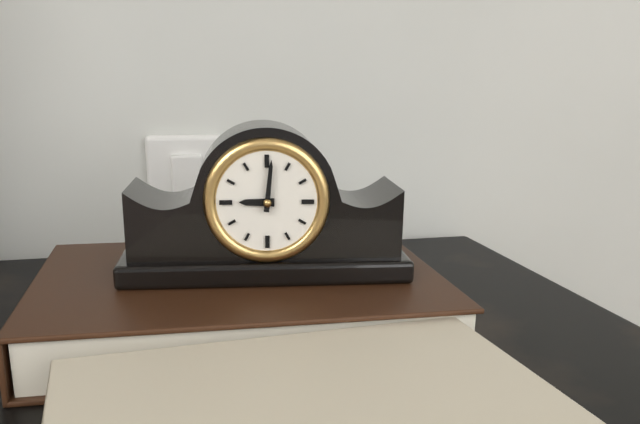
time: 9:01
